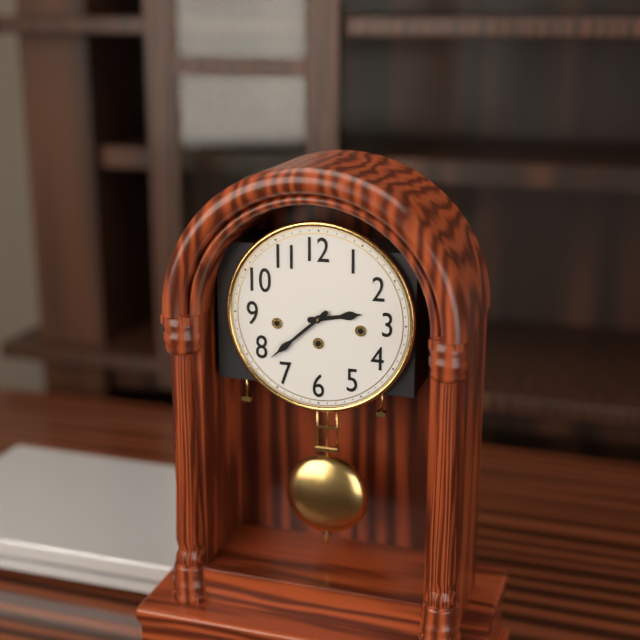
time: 2:38
